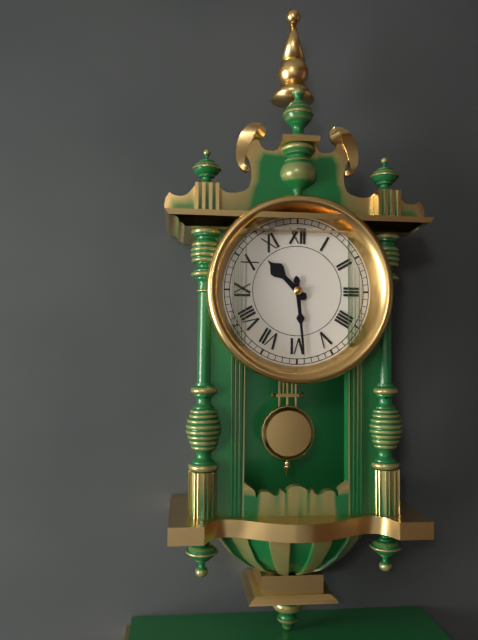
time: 10:29
